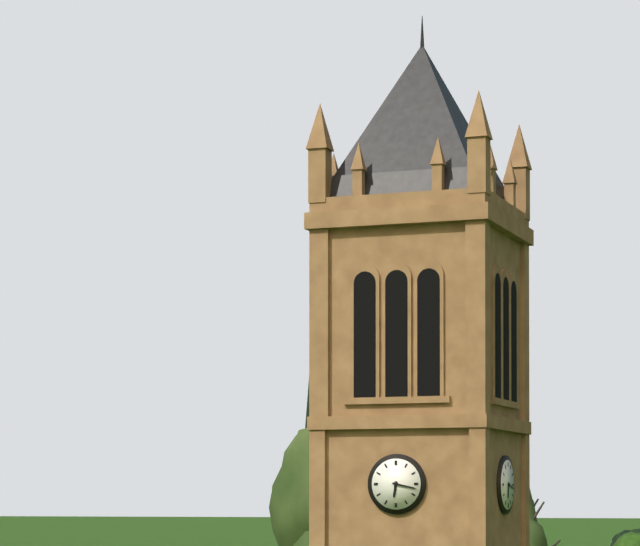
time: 6:17
